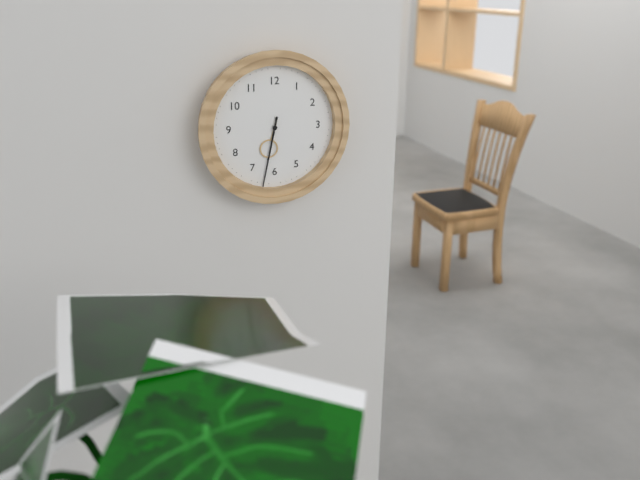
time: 6:32
